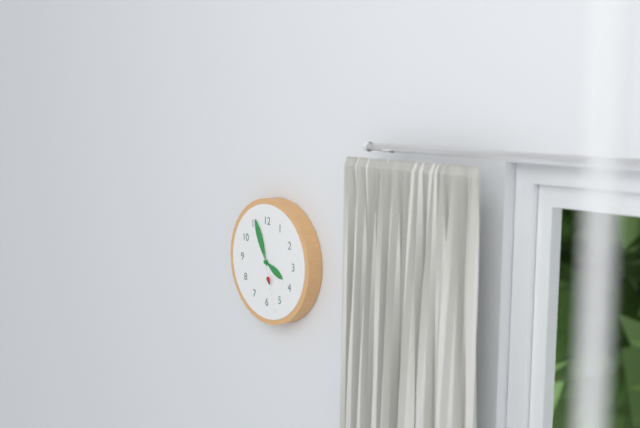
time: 3:56:27
